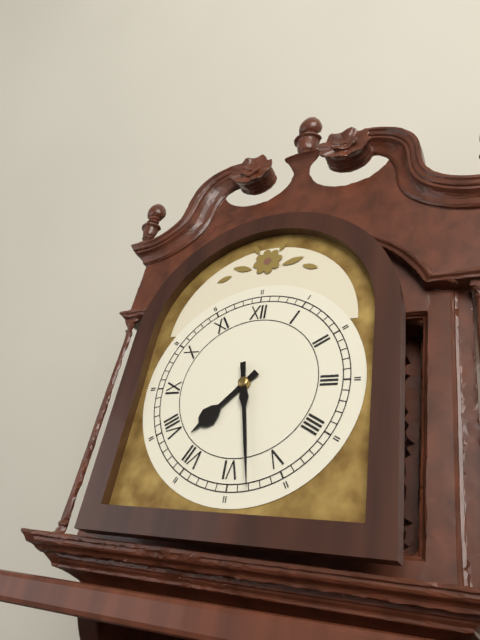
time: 7:28
